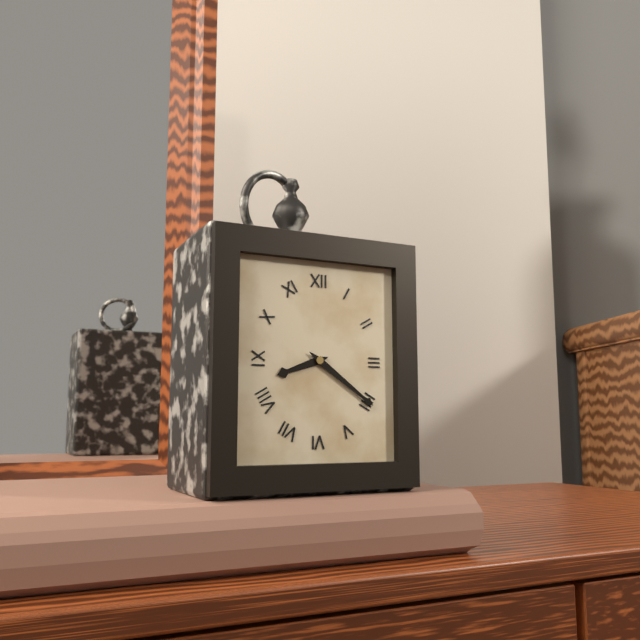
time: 8:21
